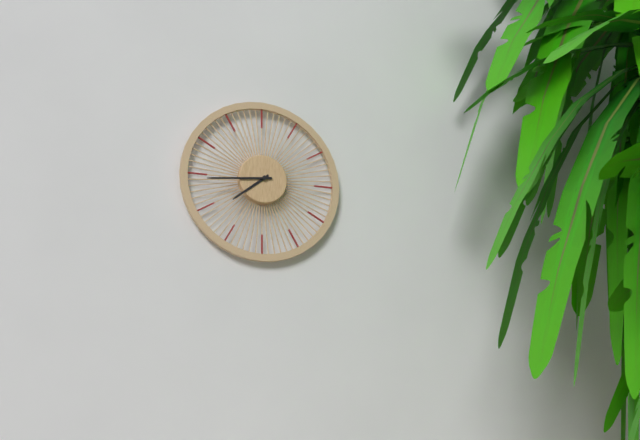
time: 7:44
